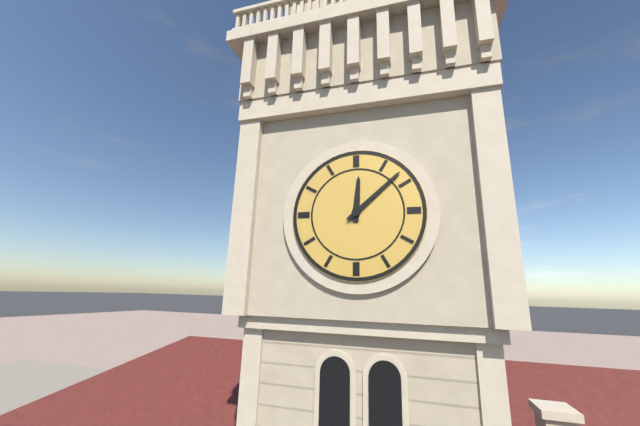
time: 12:08
